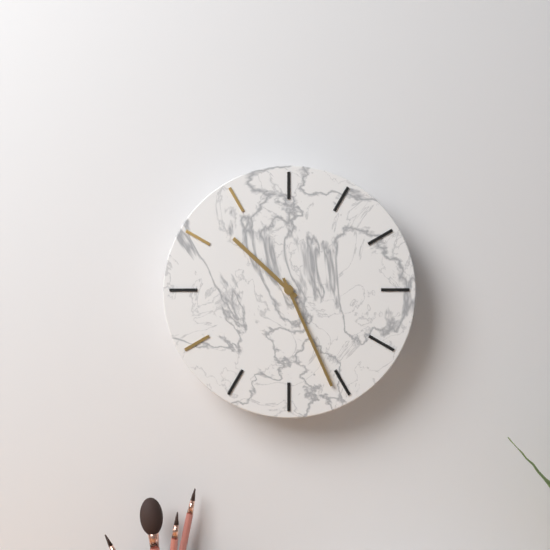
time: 10:26
